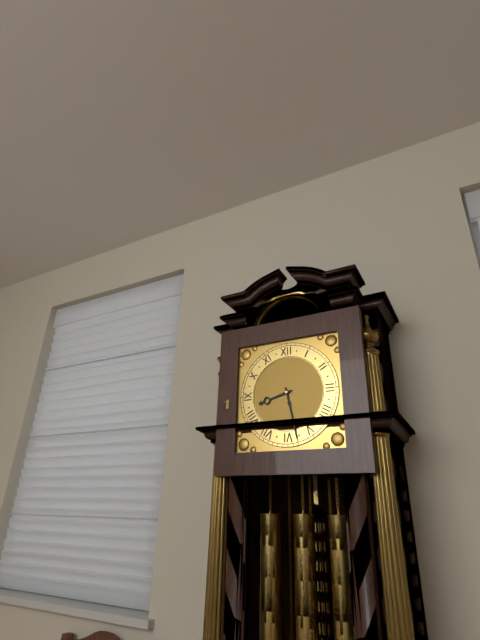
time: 8:28
